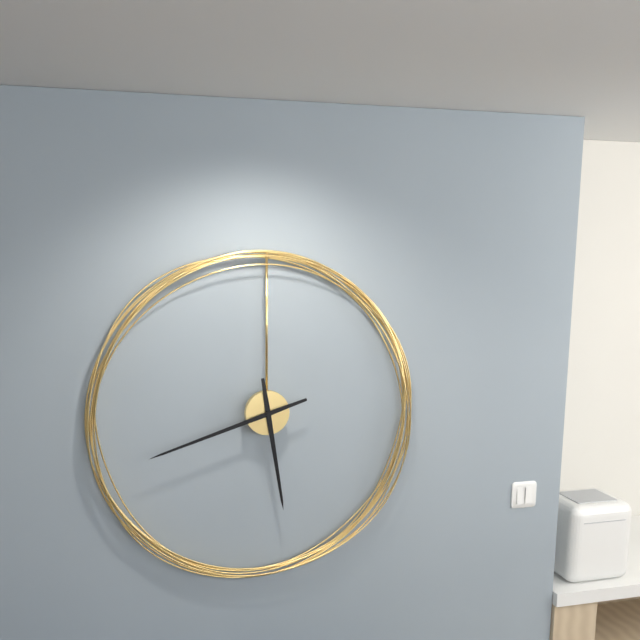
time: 5:42
